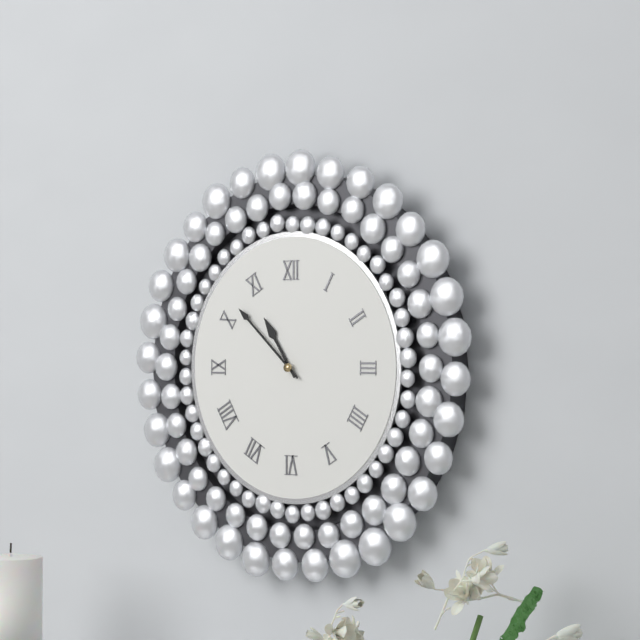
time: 10:52
